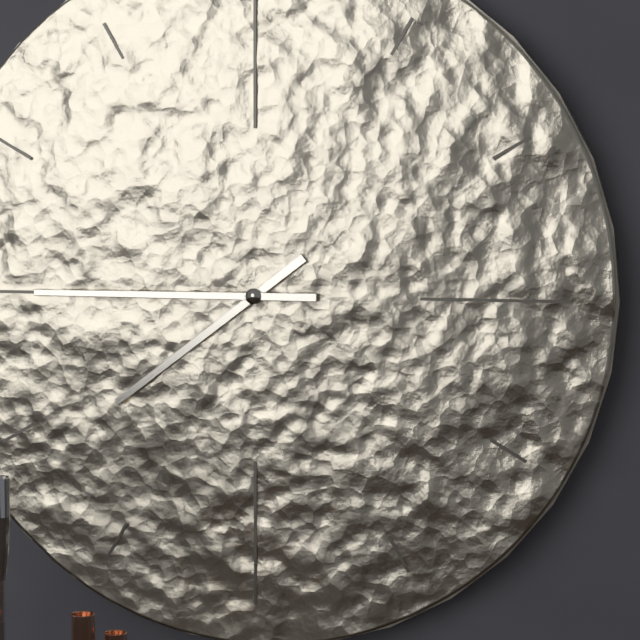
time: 7:45
